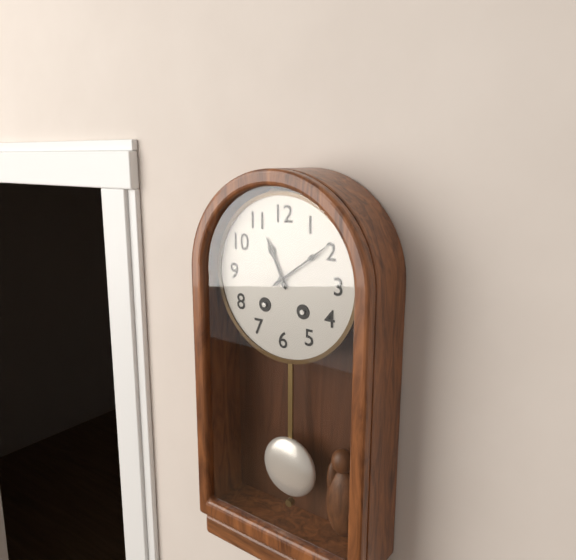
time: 11:09
